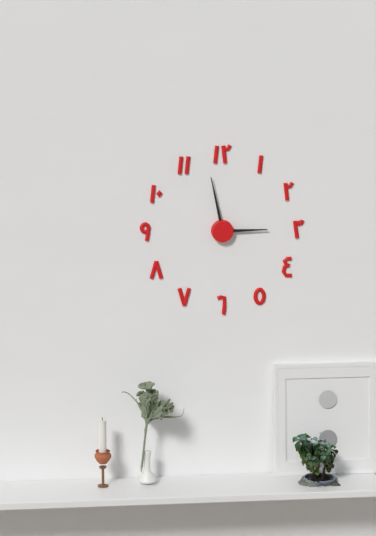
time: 2:58
